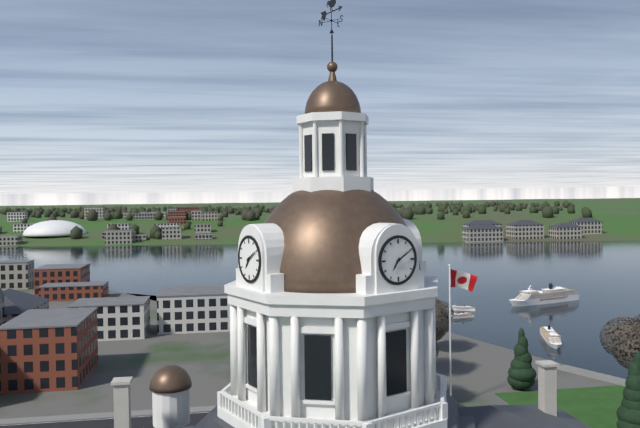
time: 7:10
